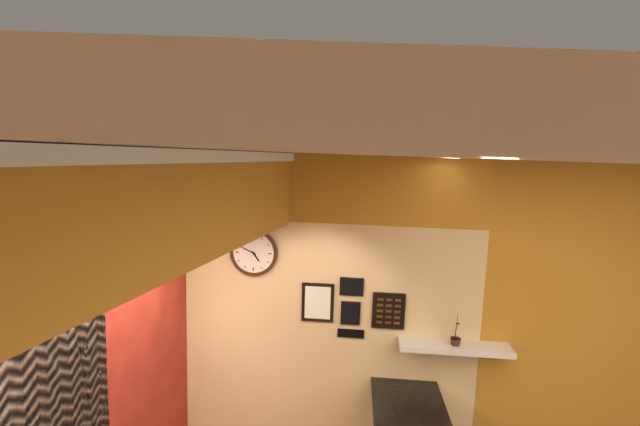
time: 4:49
